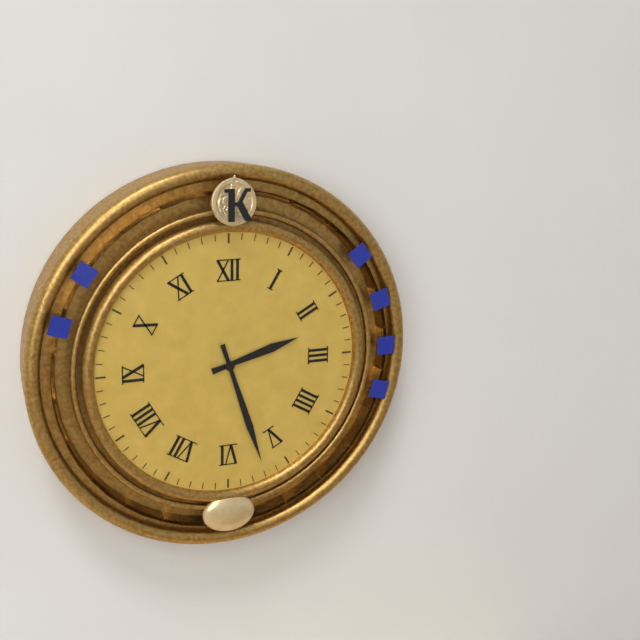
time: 2:27
